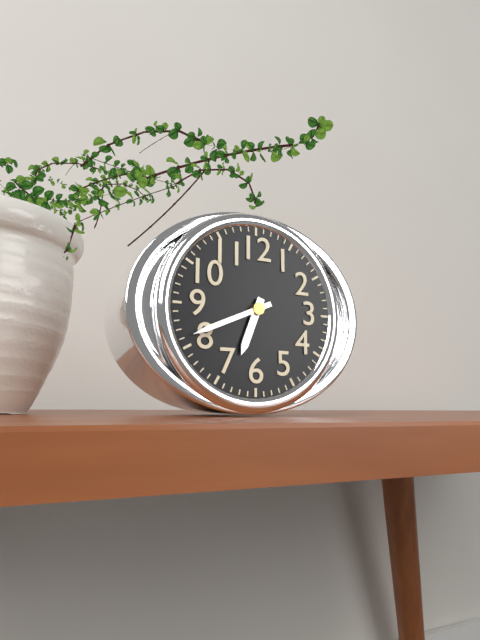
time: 6:41
